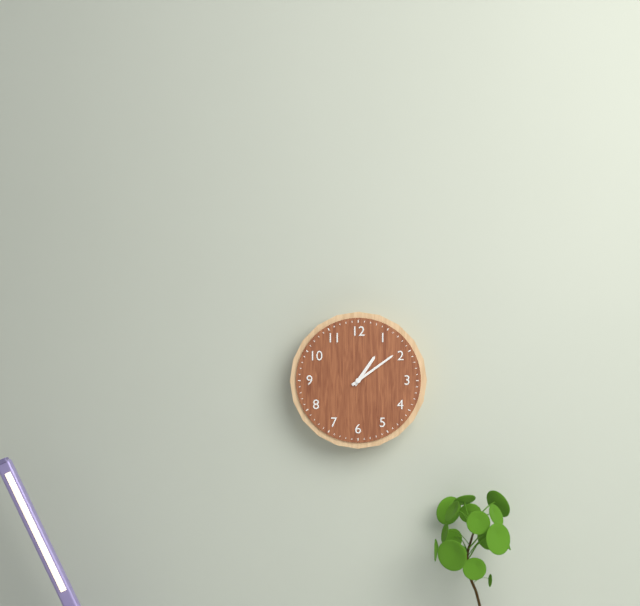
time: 1:09
